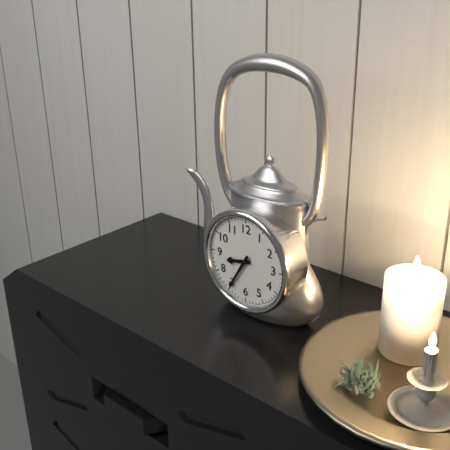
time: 8:35
